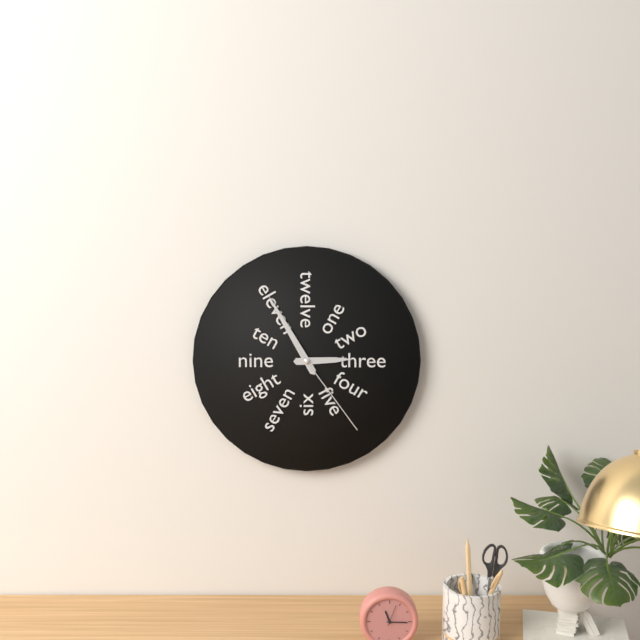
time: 2:55:24
